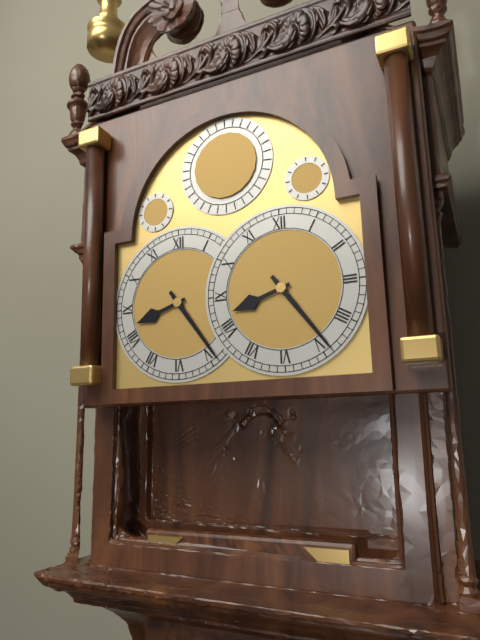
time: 8:24
